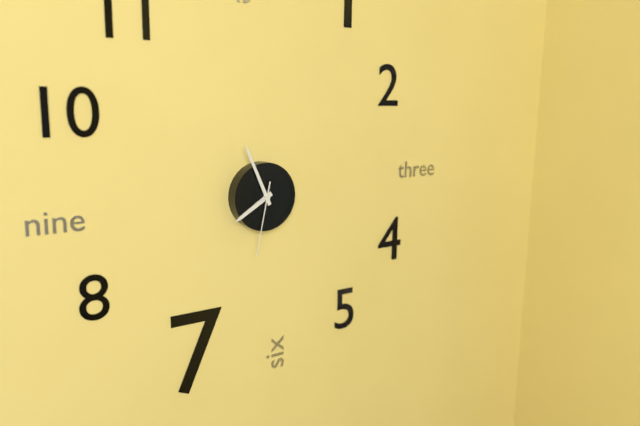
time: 7:56:32
